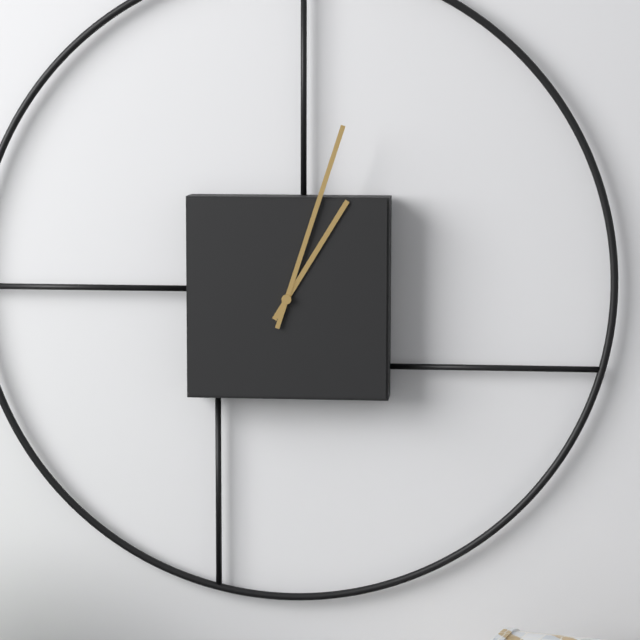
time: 1:03
